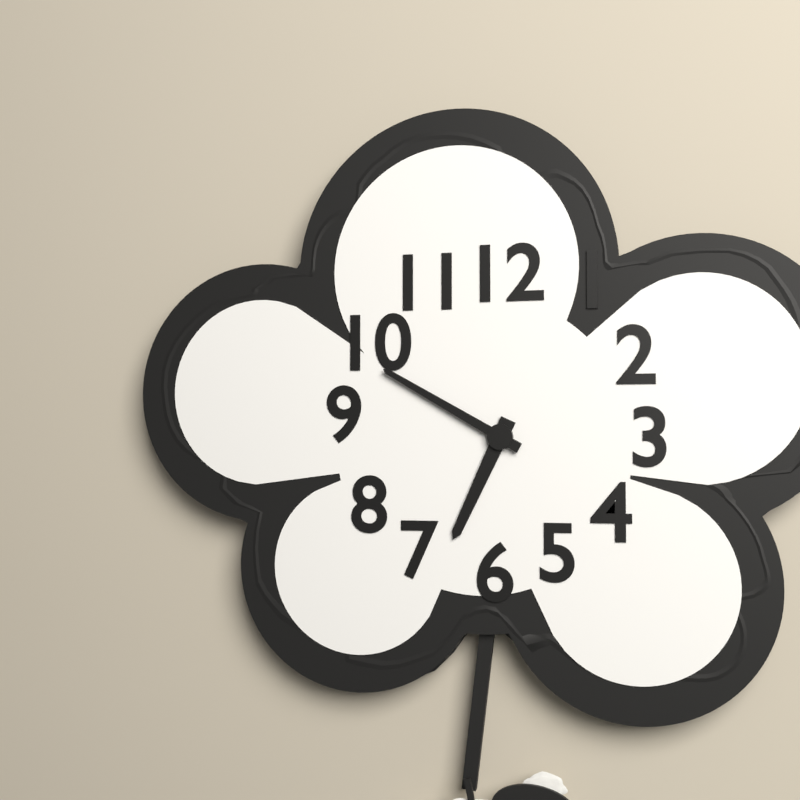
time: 6:50
